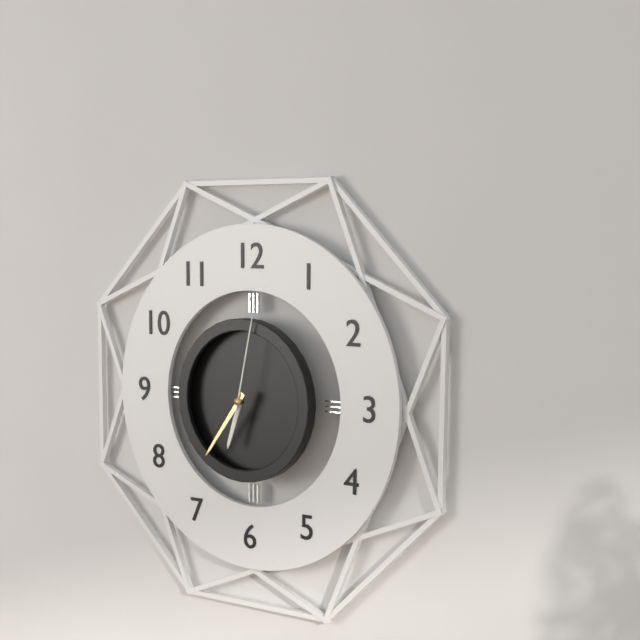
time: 6:36:02
